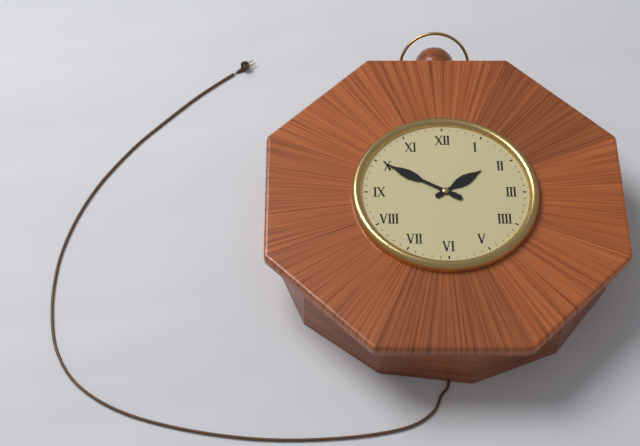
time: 1:50
